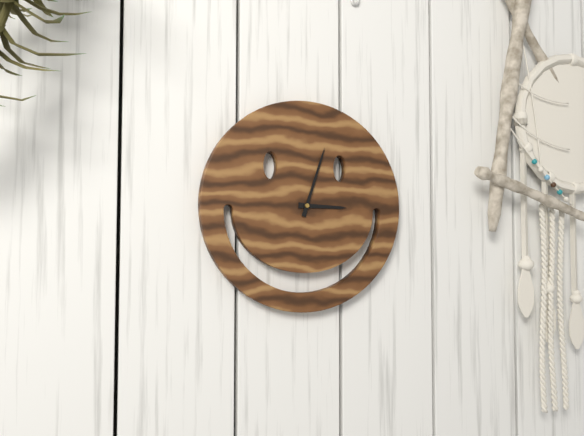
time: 3:03
